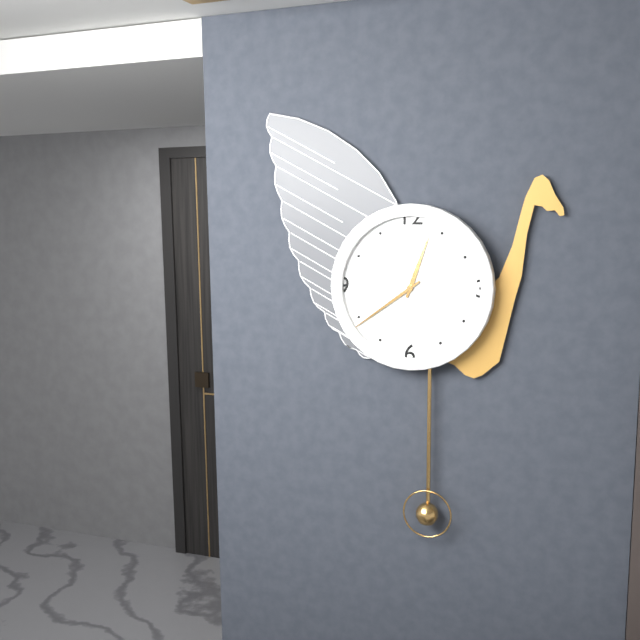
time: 12:39
